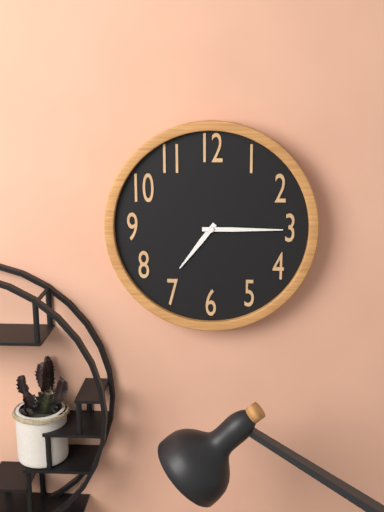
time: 7:15
